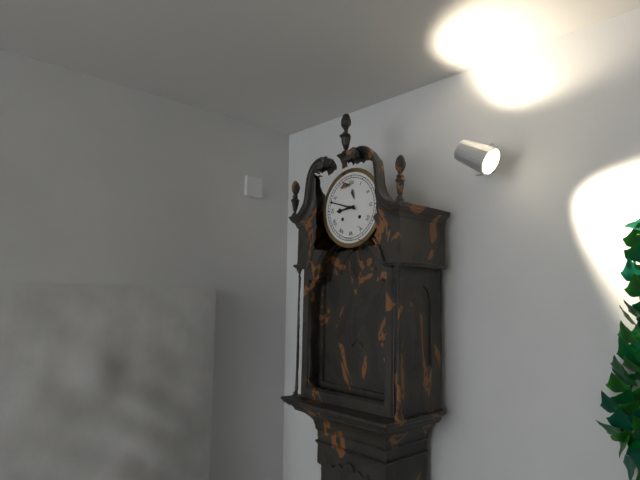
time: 8:48
